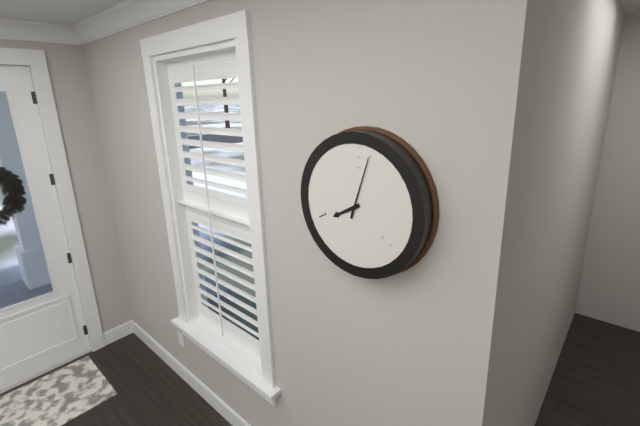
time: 8:03
